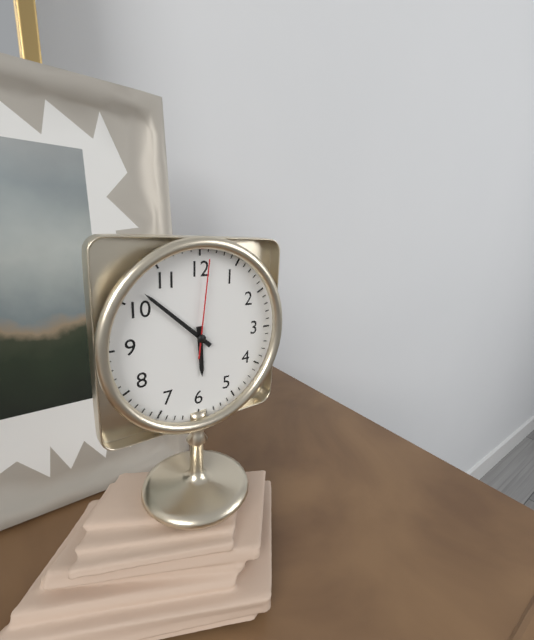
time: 5:52:01
